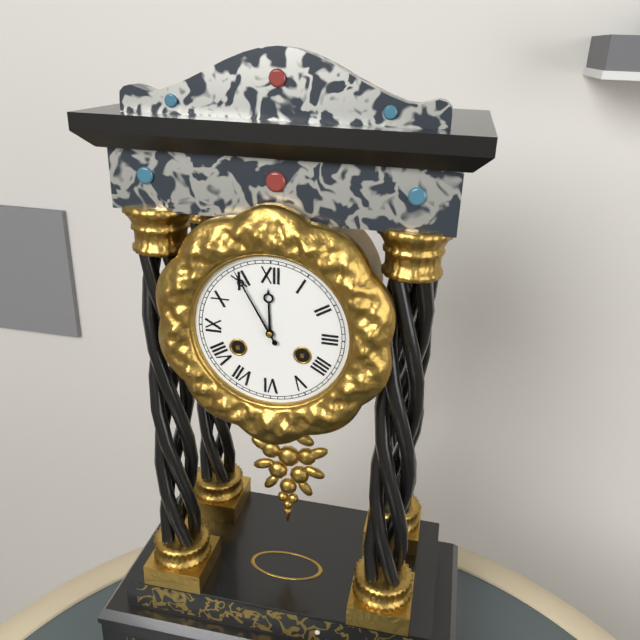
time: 11:55
